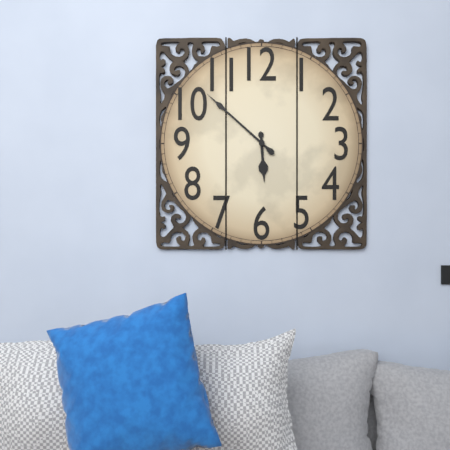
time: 5:52
